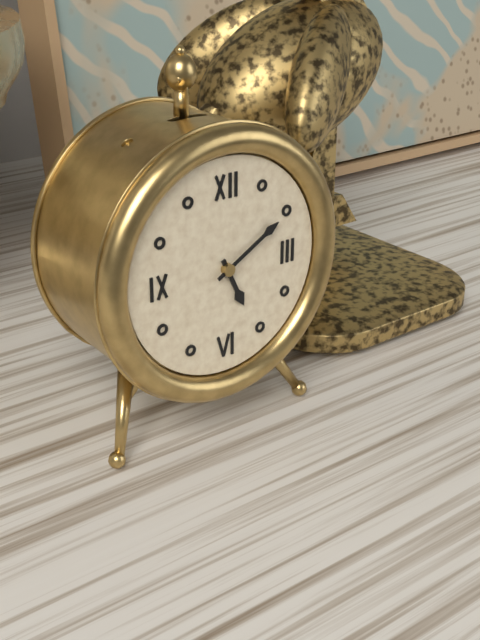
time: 5:10
